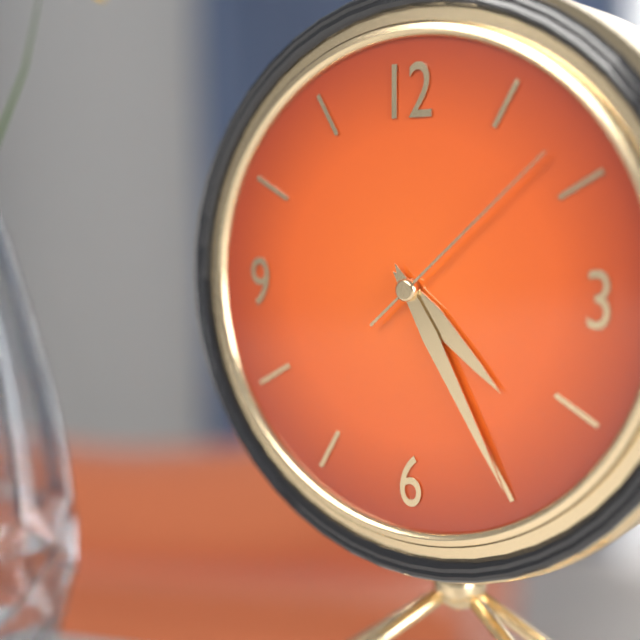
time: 4:25:08
